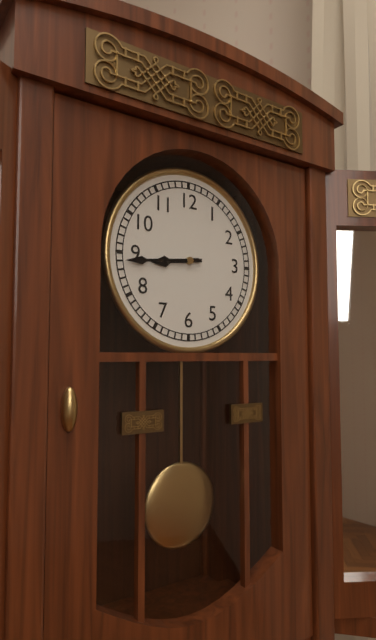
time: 8:44
